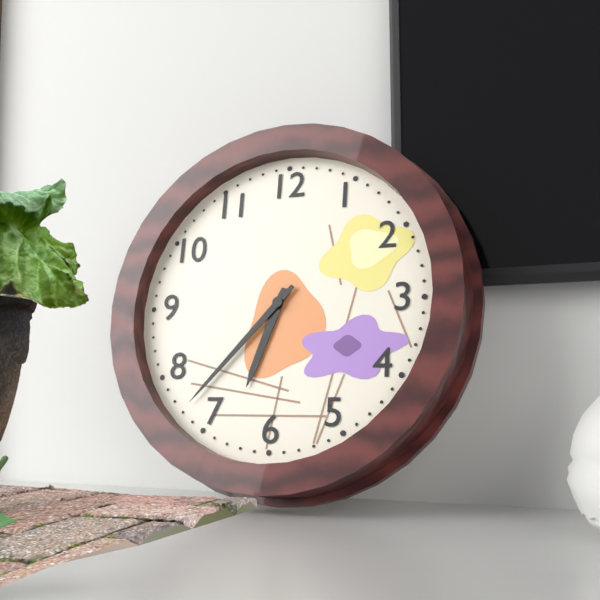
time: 6:37
